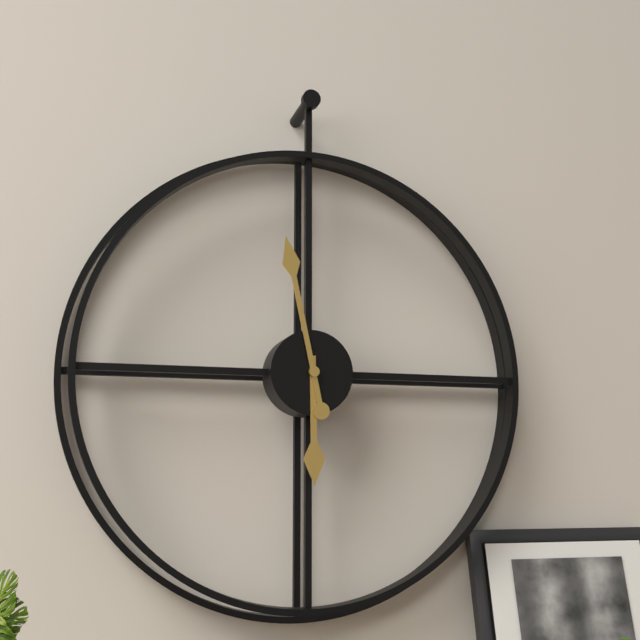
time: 5:58
